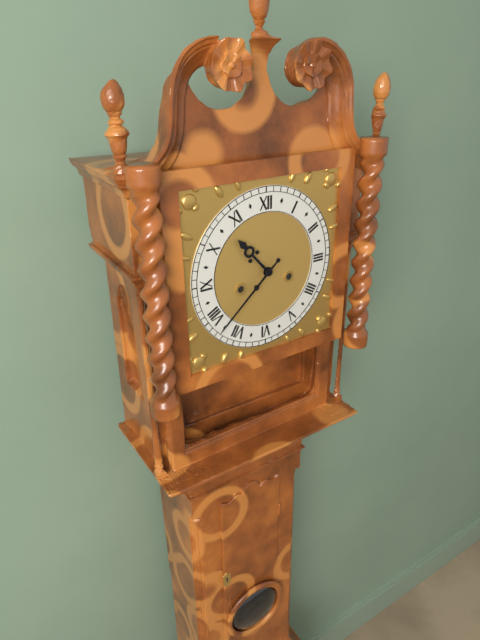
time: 10:38
